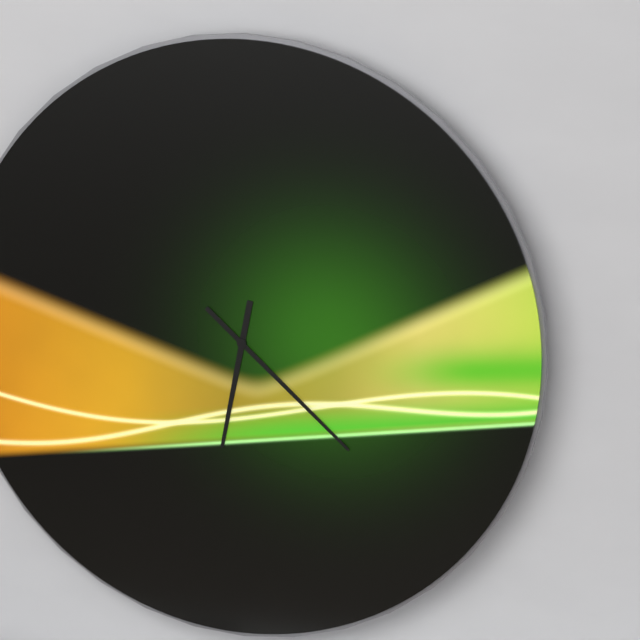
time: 6:22
